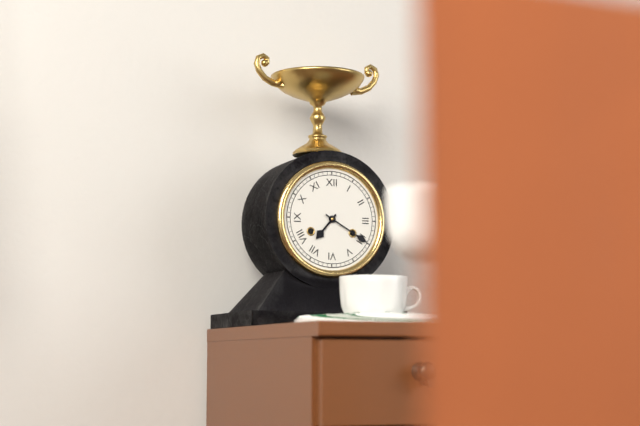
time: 7:20
